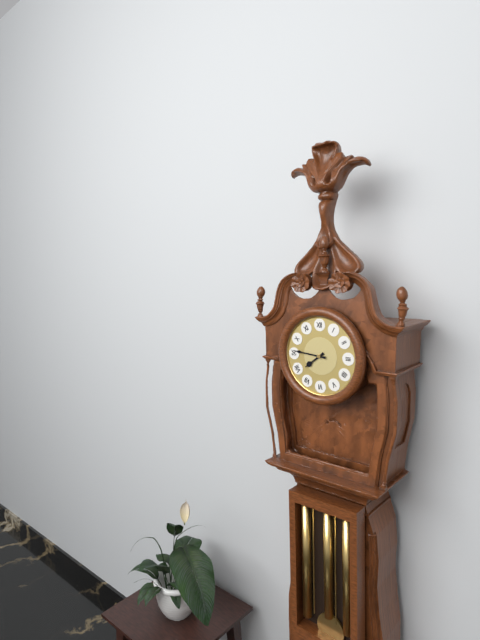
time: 7:46
